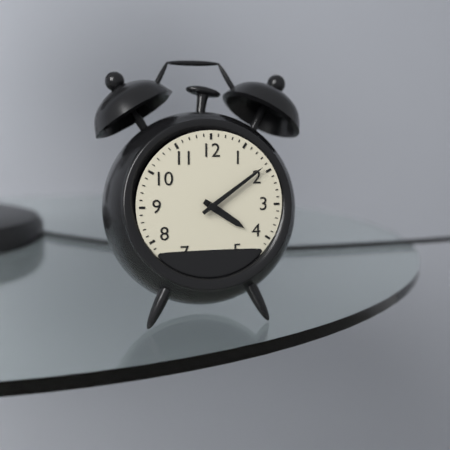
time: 4:09
